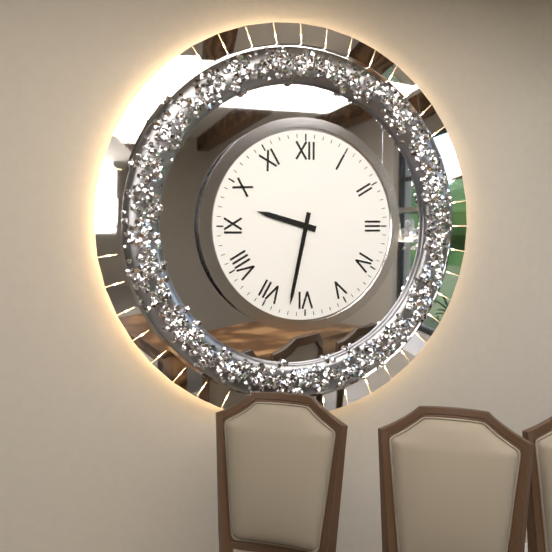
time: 9:32
